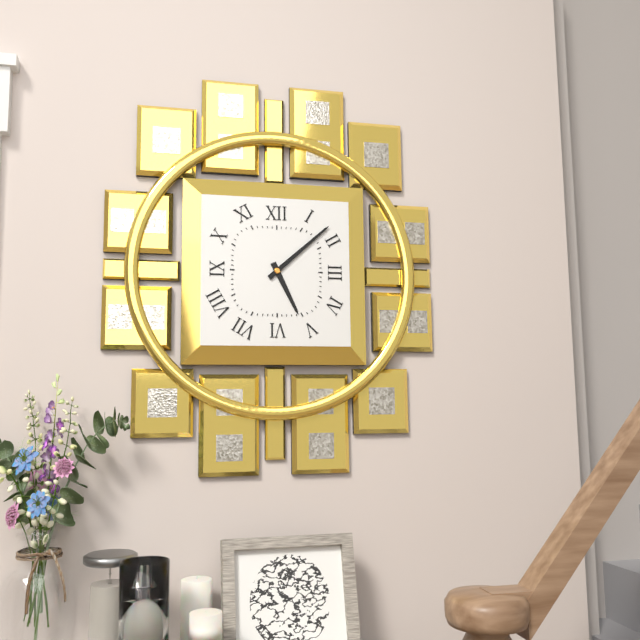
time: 5:08
